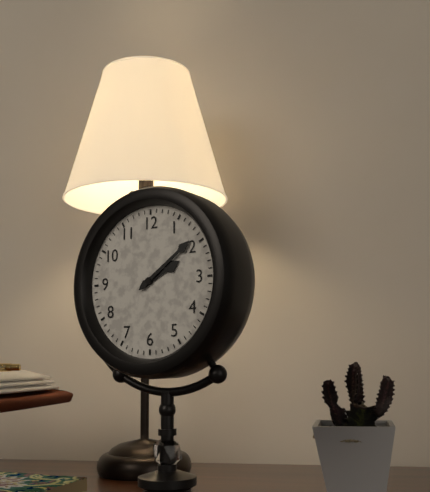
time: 2:09
